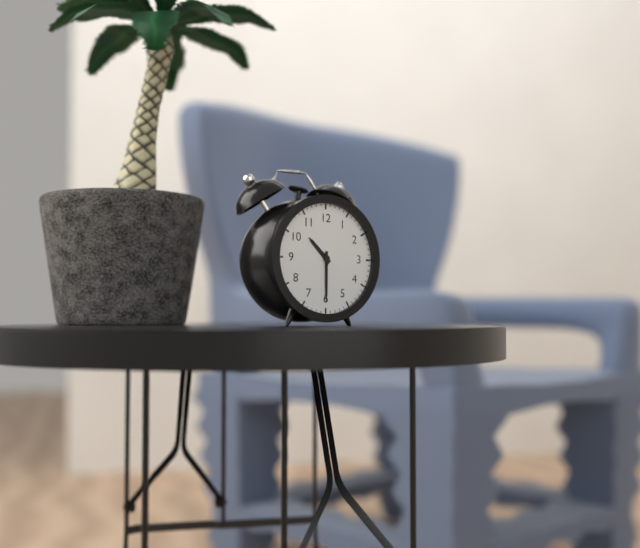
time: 10:30
